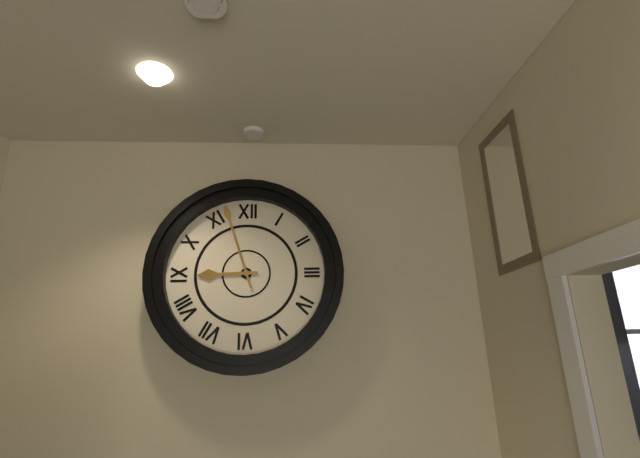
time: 8:57
